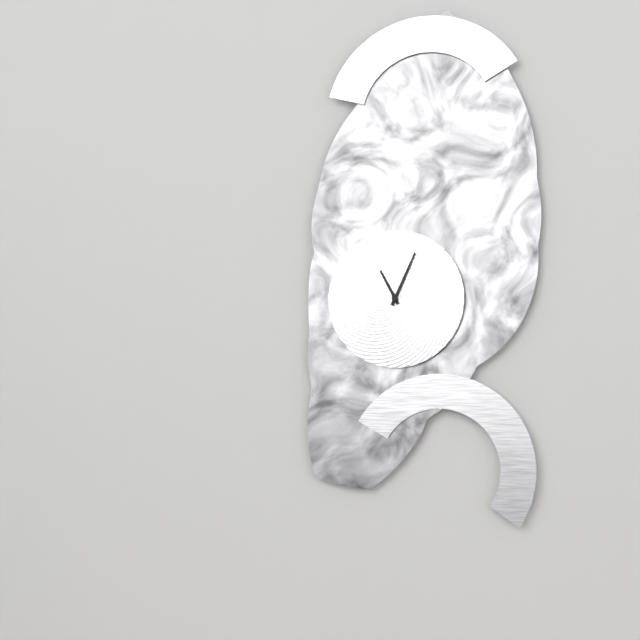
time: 11:04
